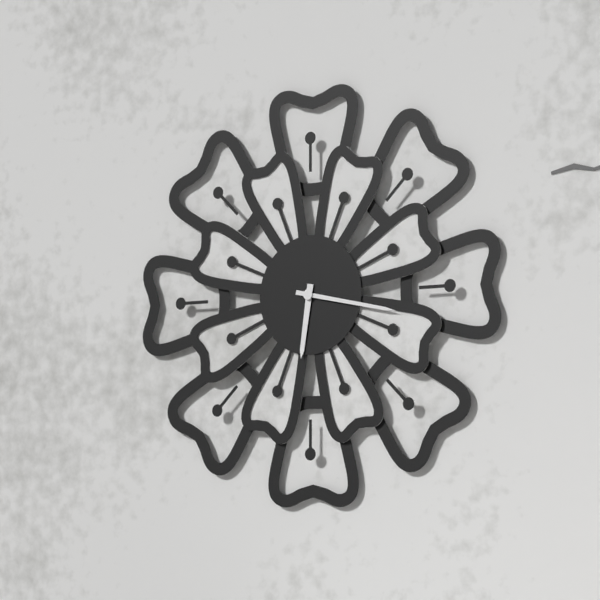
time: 6:17
